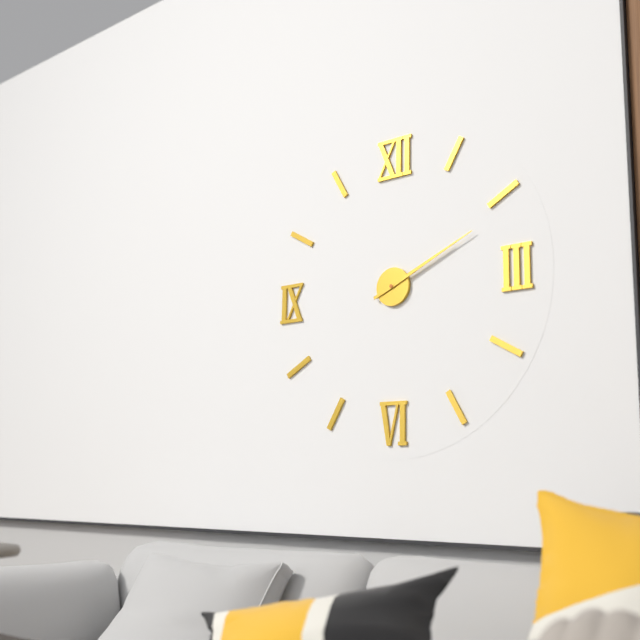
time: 2:11
